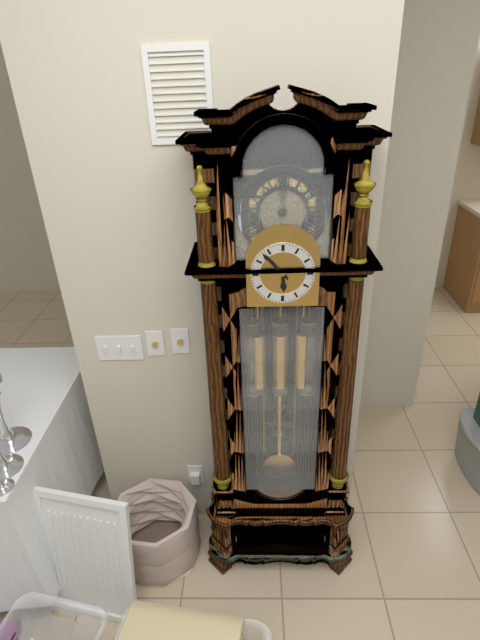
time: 5:53
